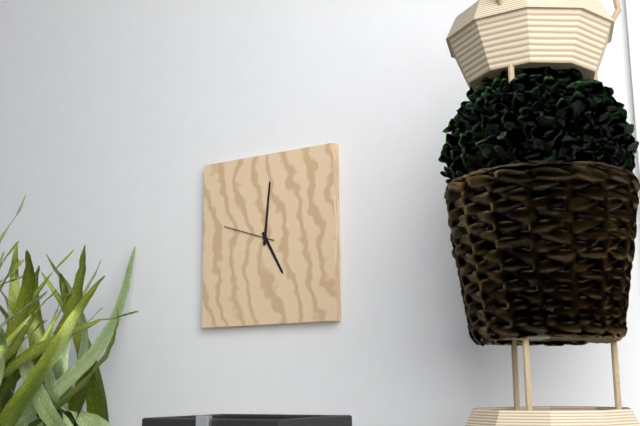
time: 5:01:48
